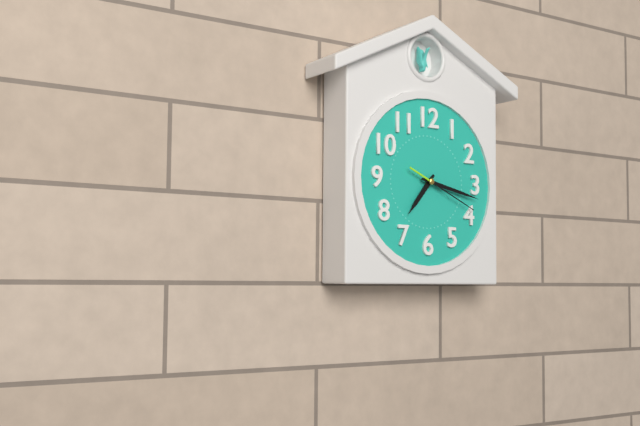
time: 7:17:19
